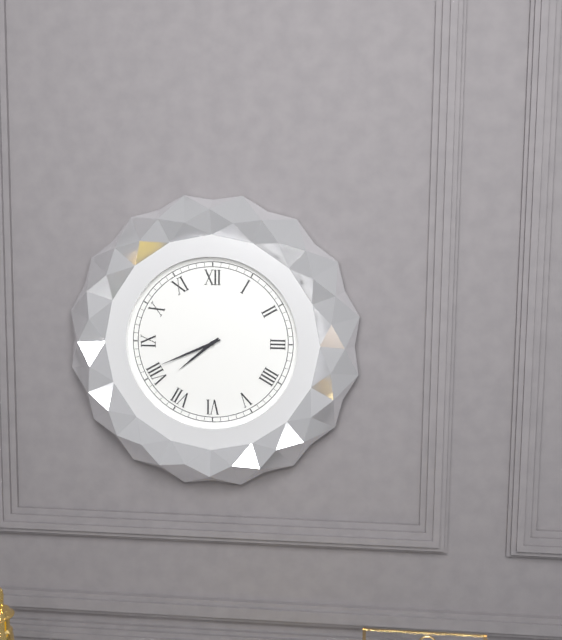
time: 7:41
